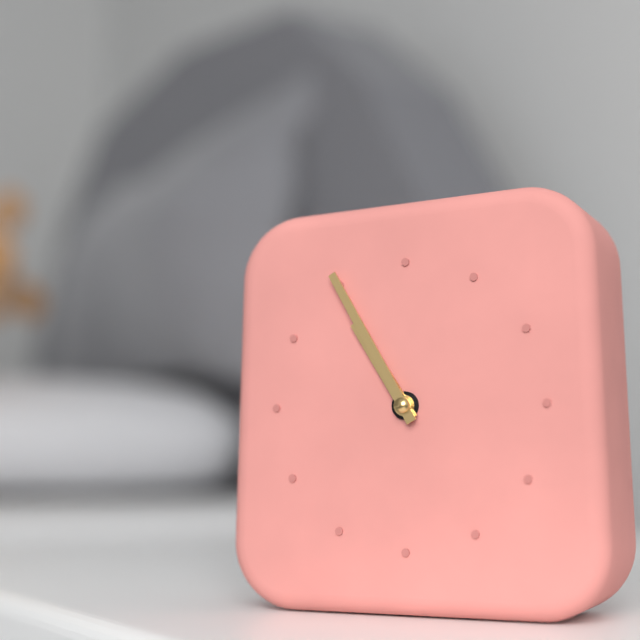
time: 10:55
